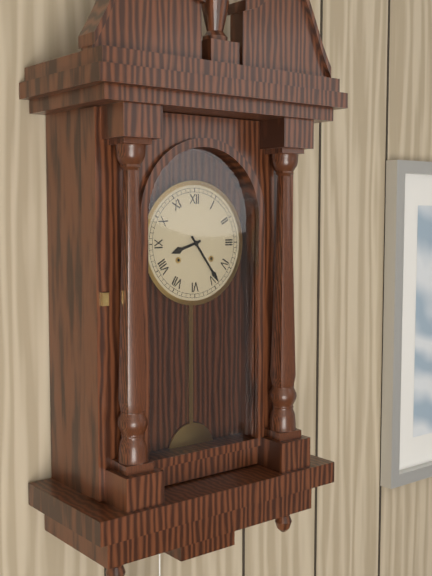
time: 8:24
